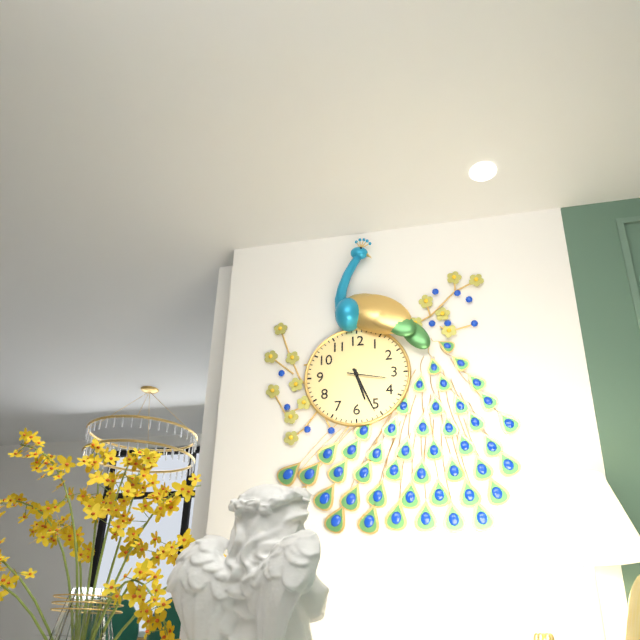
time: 5:26
